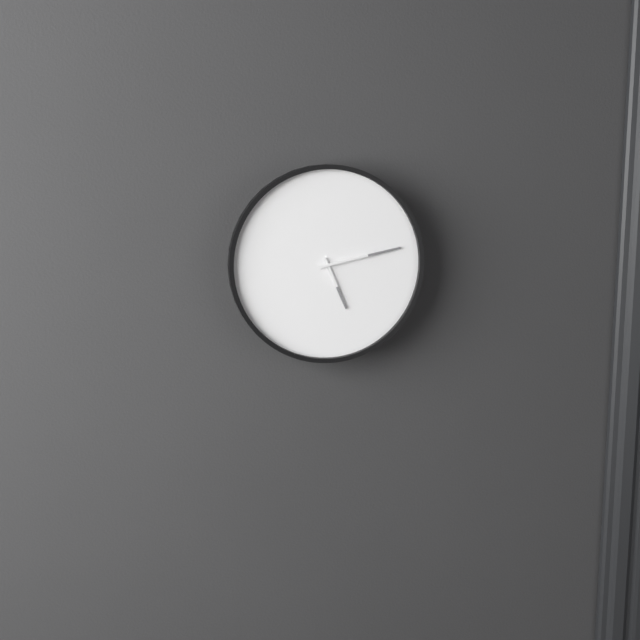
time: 5:13
